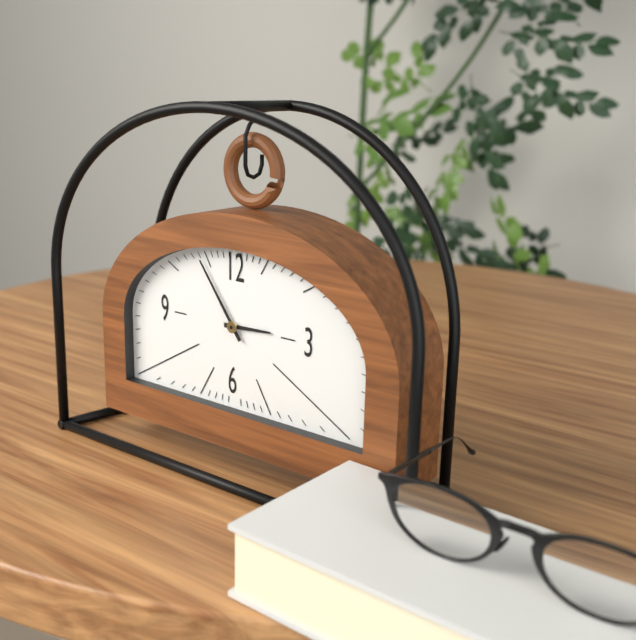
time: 2:54
